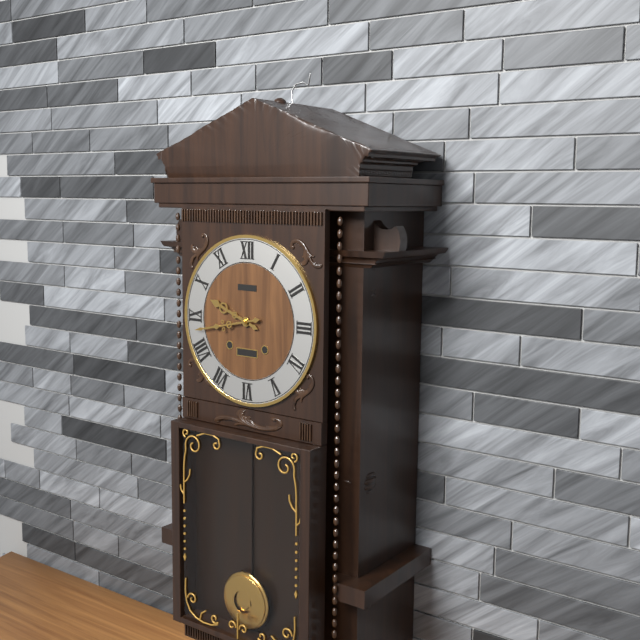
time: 9:43
